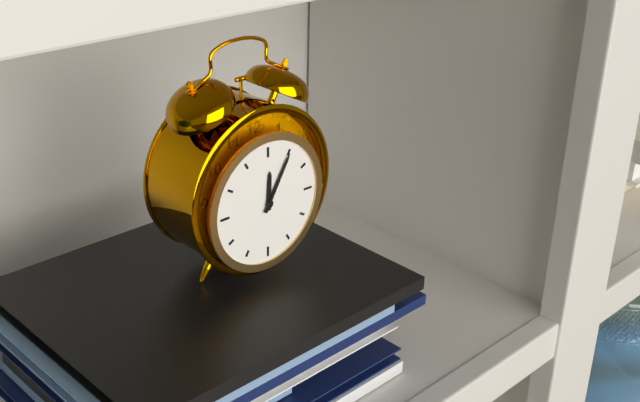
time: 12:05
